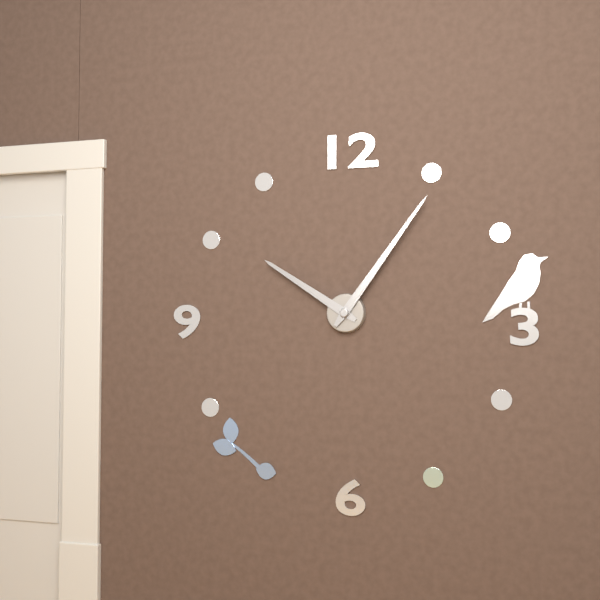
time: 10:06
